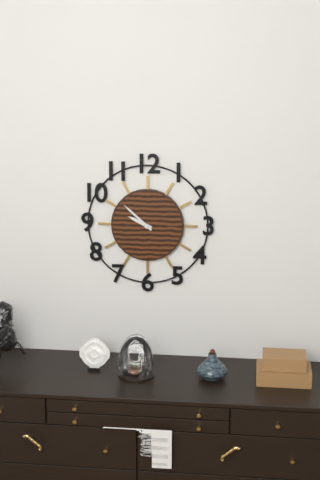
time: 9:52
